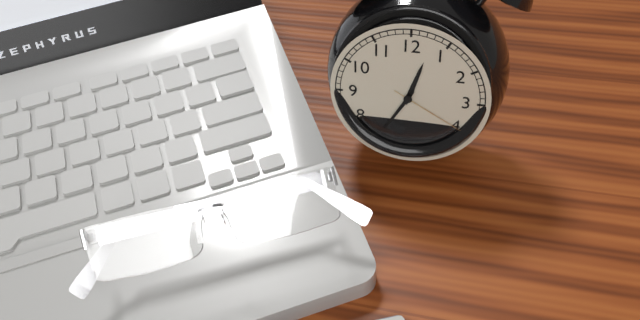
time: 12:35:20
